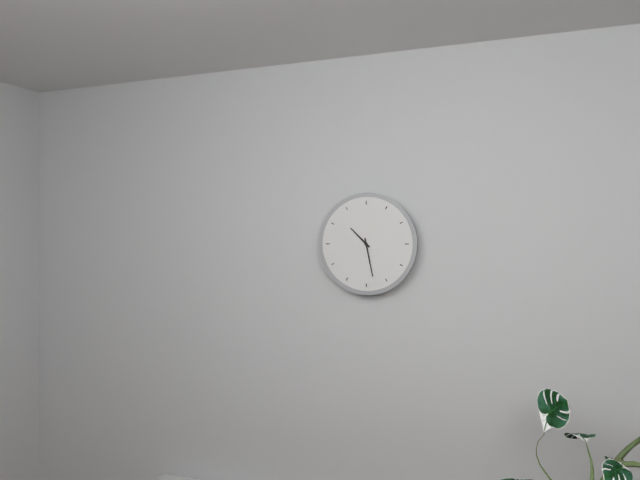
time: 10:28
